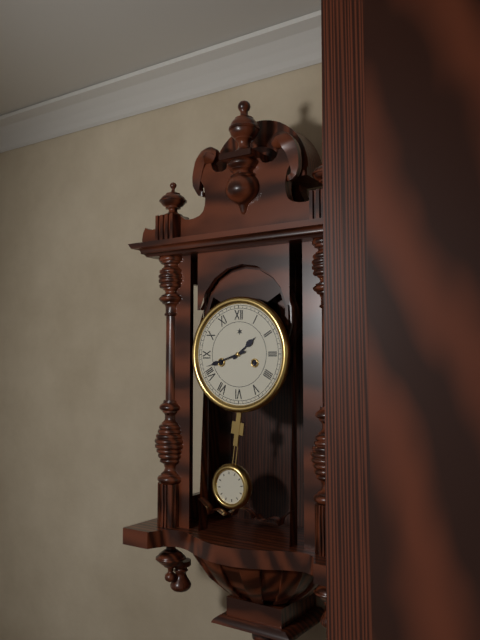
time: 1:42
